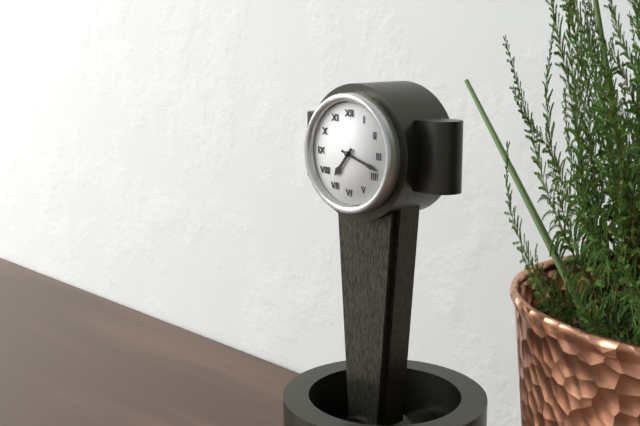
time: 7:18
